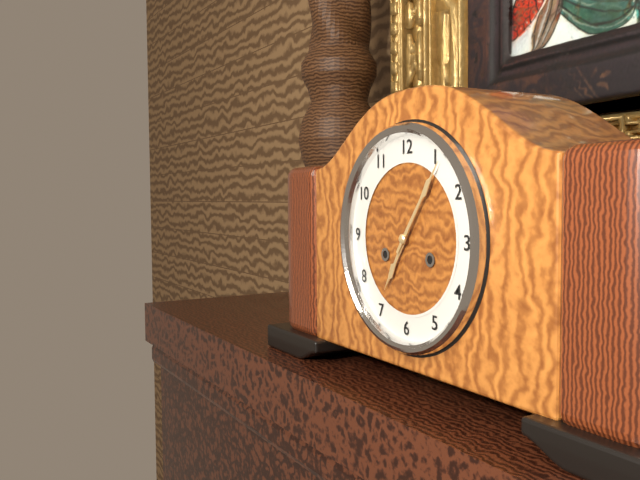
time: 7:06
